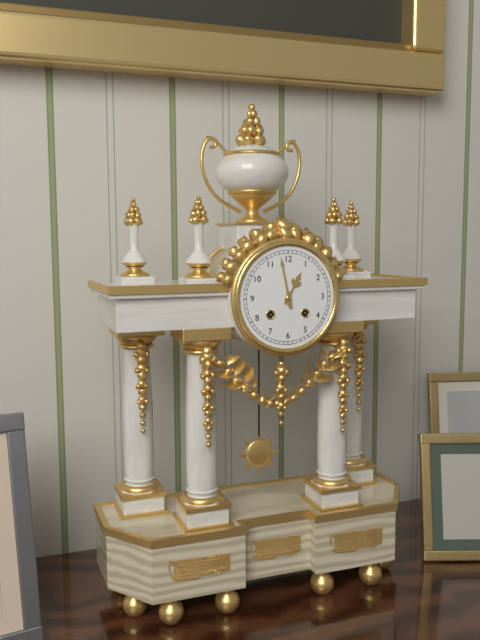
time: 12:58
